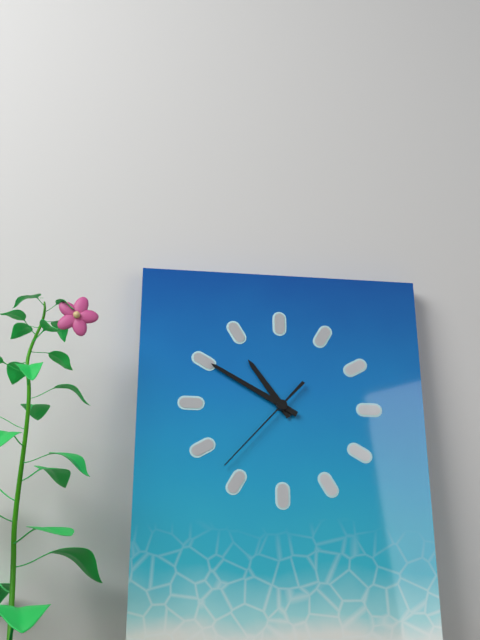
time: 10:50:37
